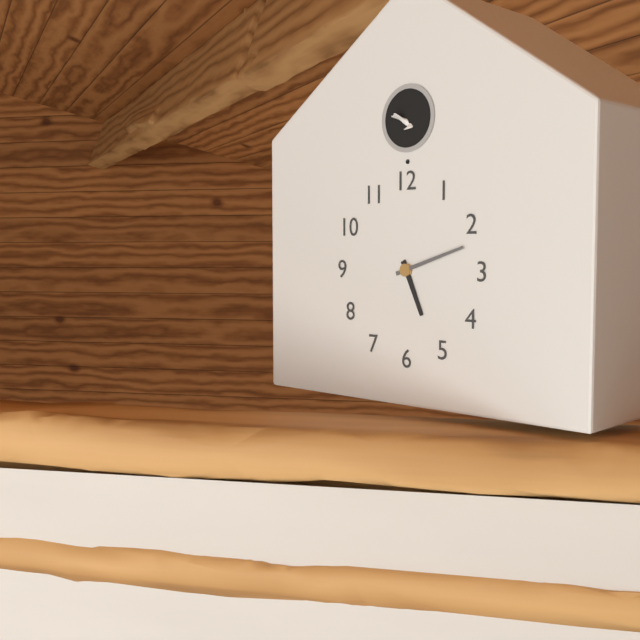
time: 5:12
